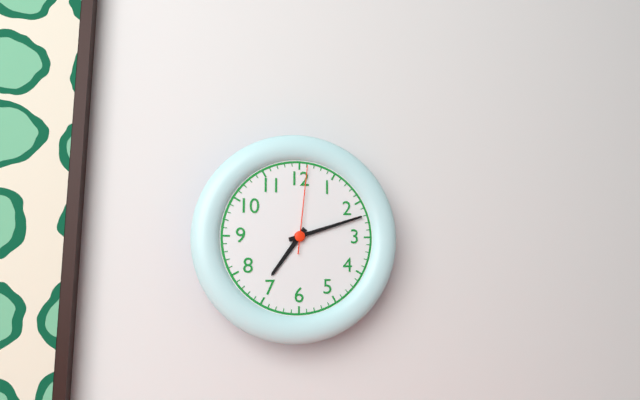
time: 7:12:01
